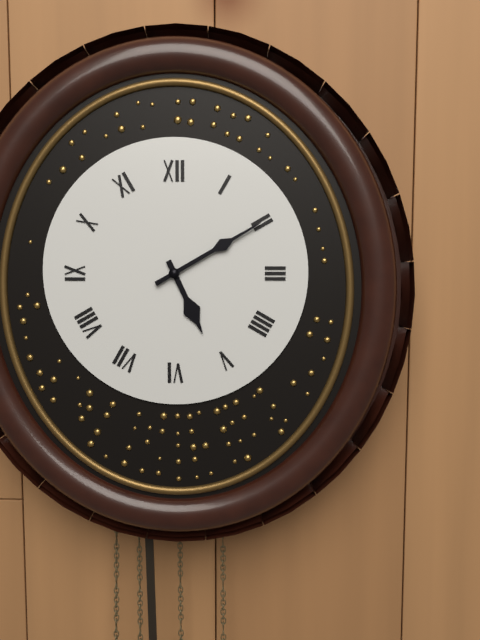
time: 5:10
